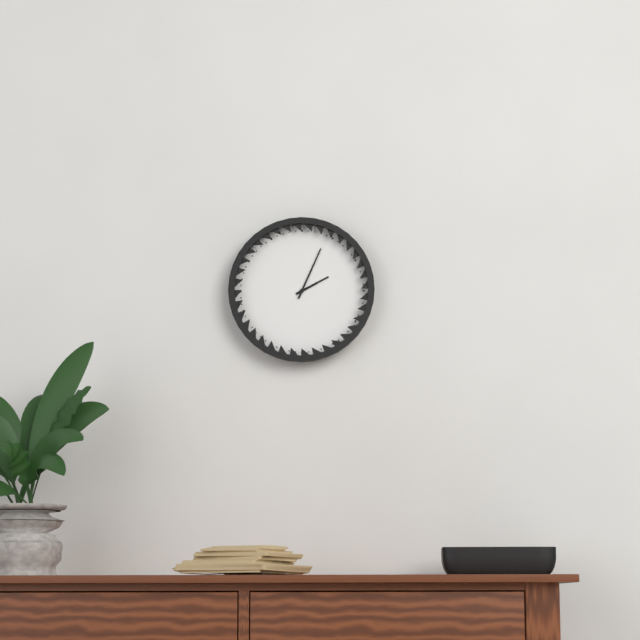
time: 2:04
